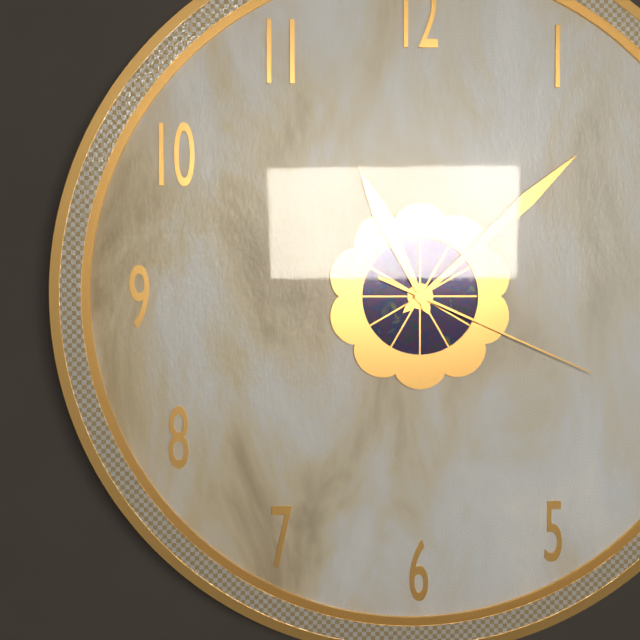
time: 11:08:19
